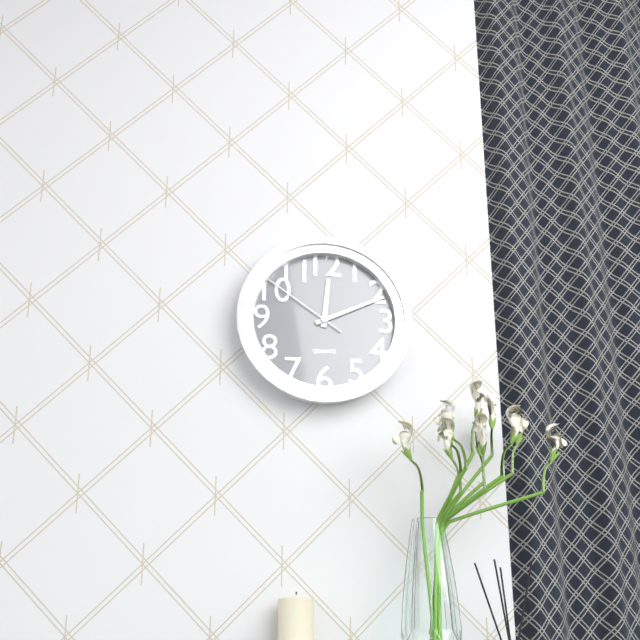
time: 12:11:51
